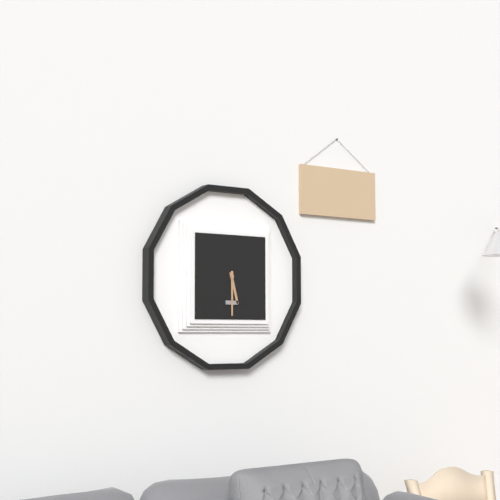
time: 5:30
